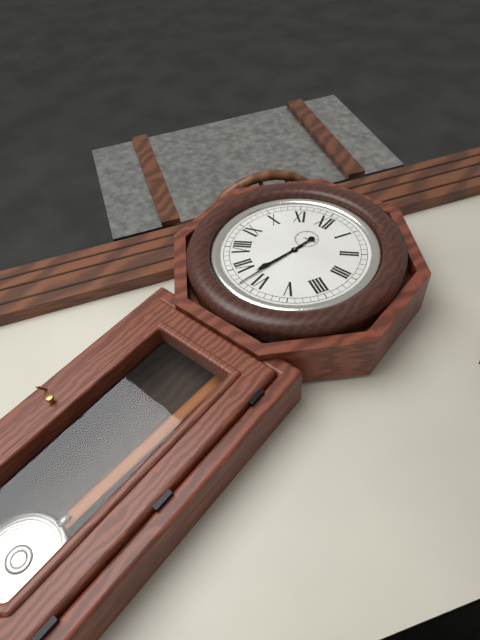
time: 6:32
